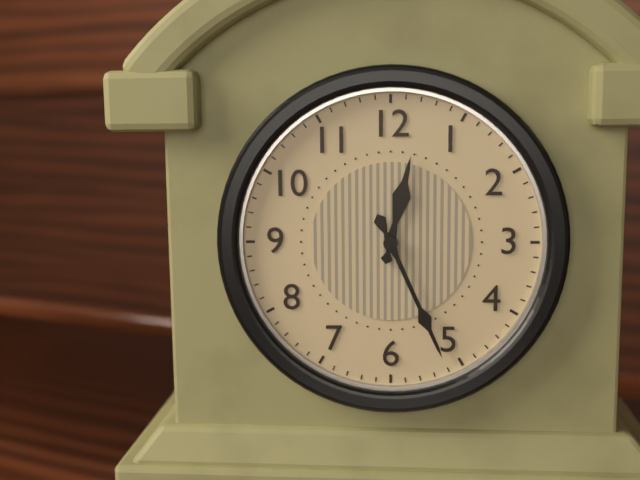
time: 12:26
